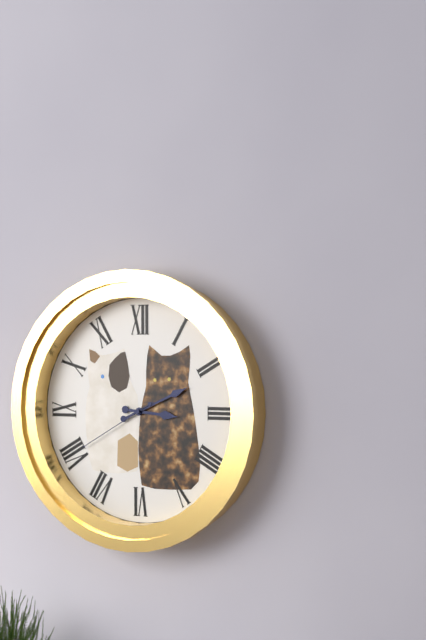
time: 3:11:40
